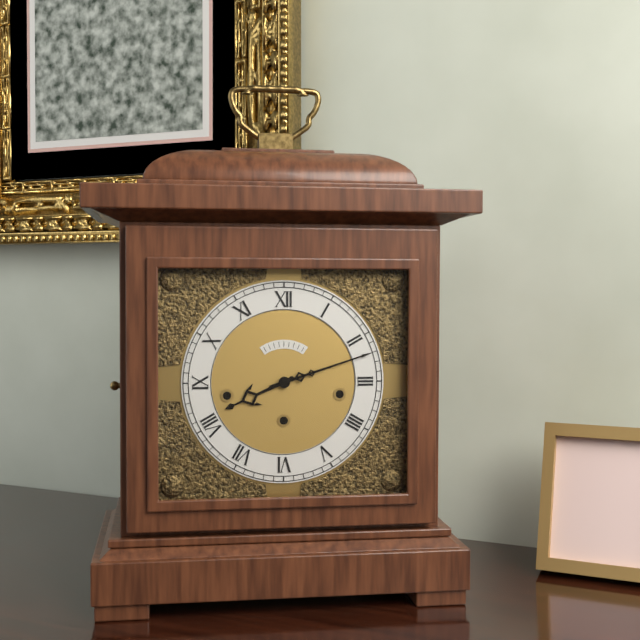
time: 8:12
